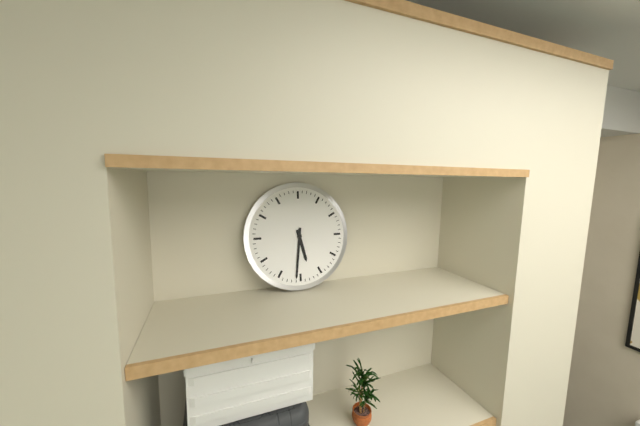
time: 5:31
